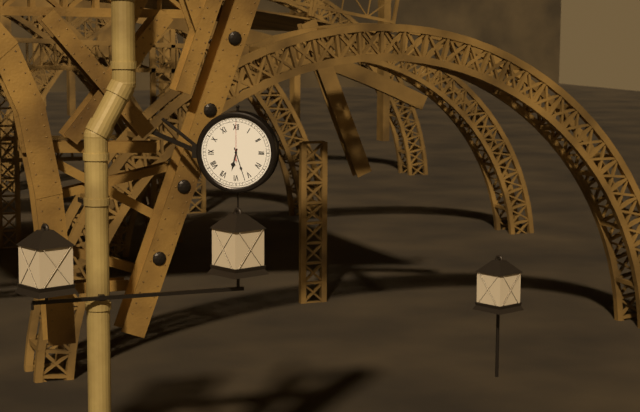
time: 6:27
